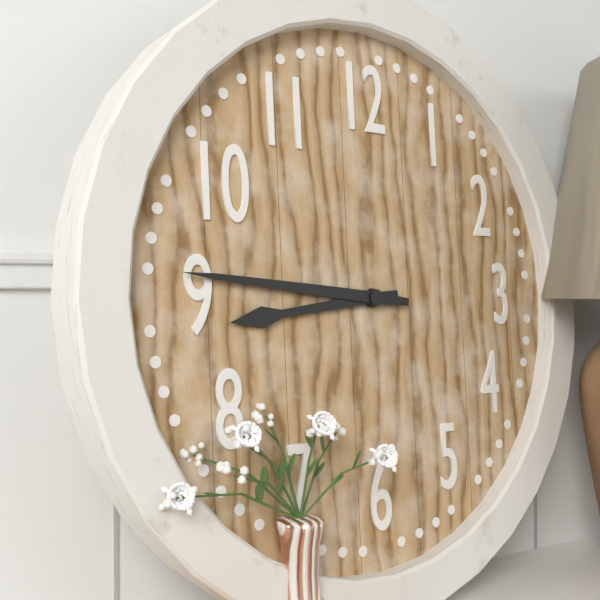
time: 8:46
